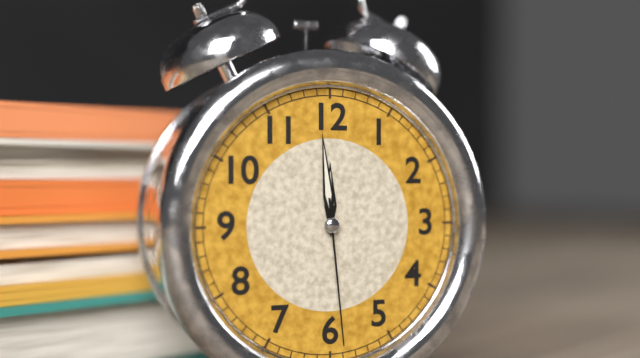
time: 11:59:29
